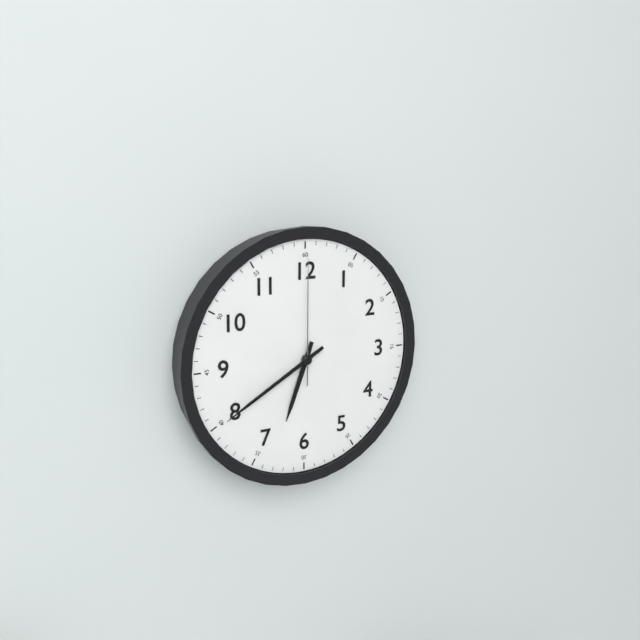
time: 6:40:00
